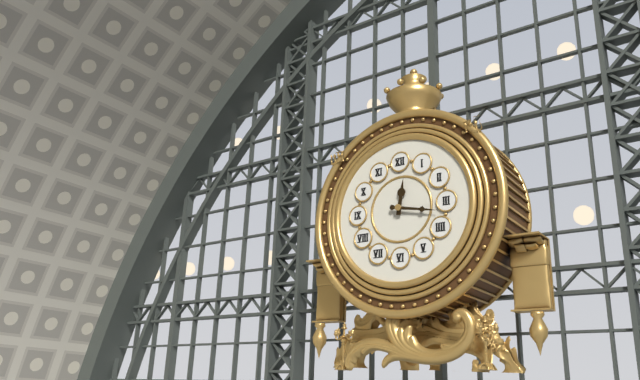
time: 12:17
